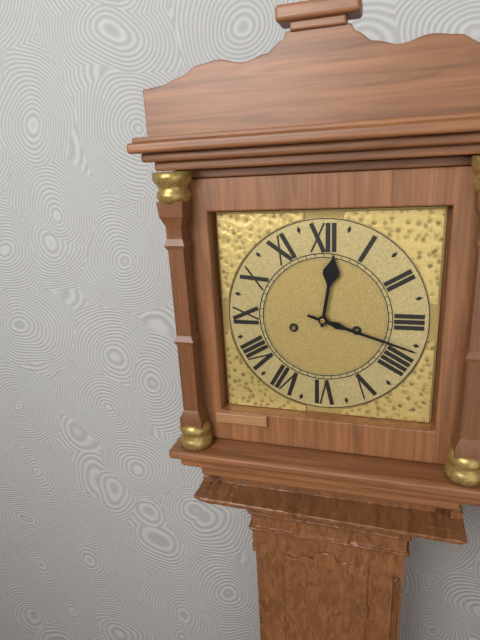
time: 12:18
